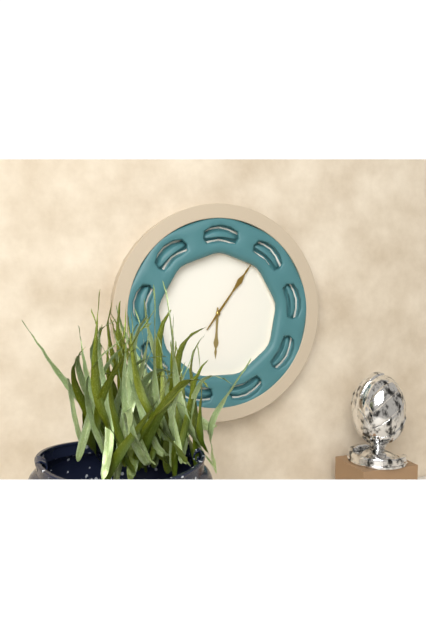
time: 6:06
